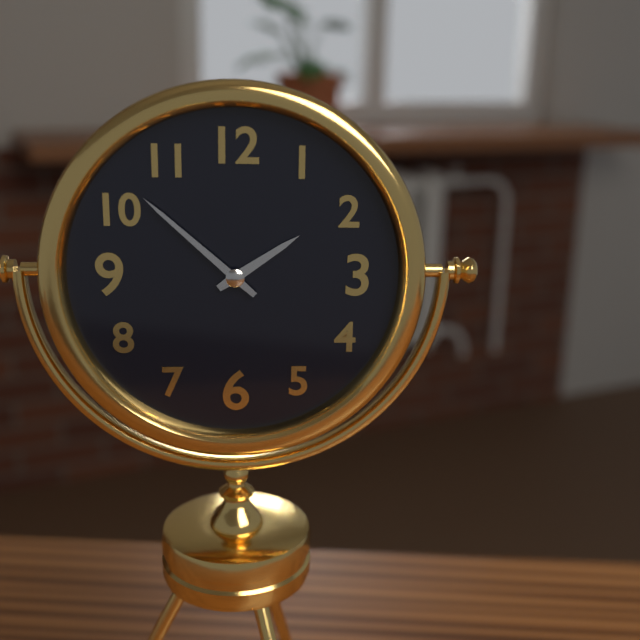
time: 1:52
